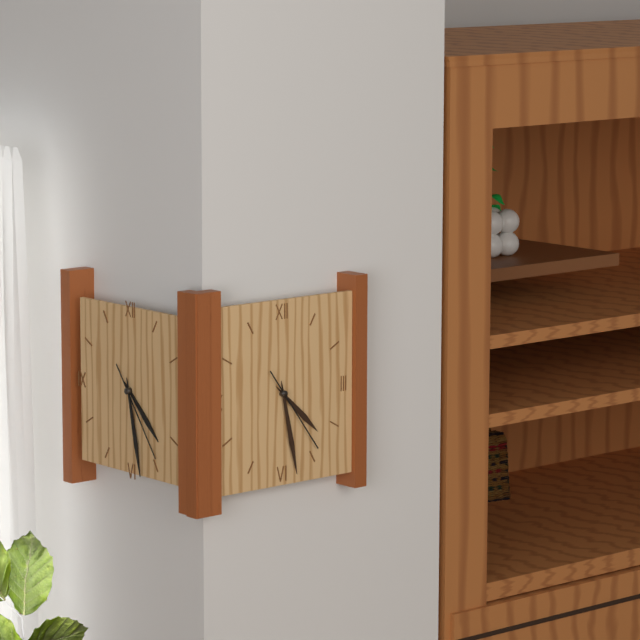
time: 4:28:24
